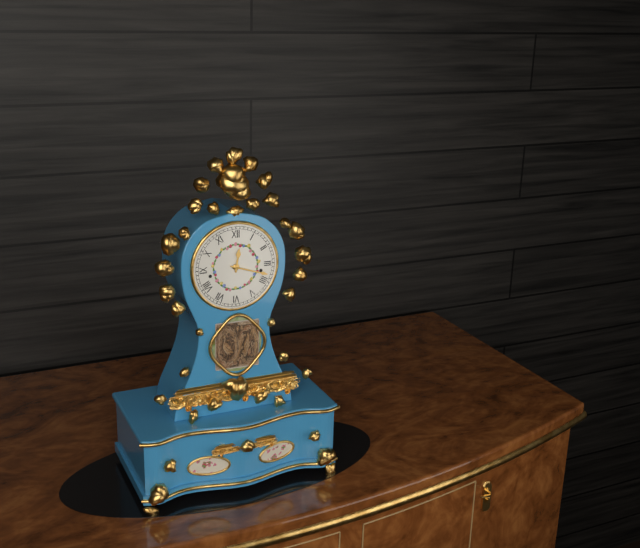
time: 12:18
